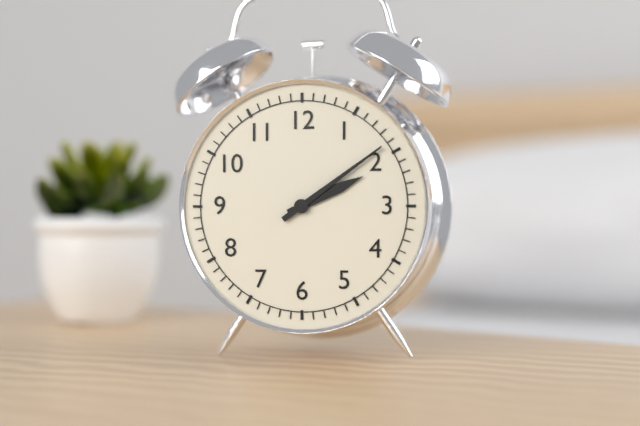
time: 2:09
